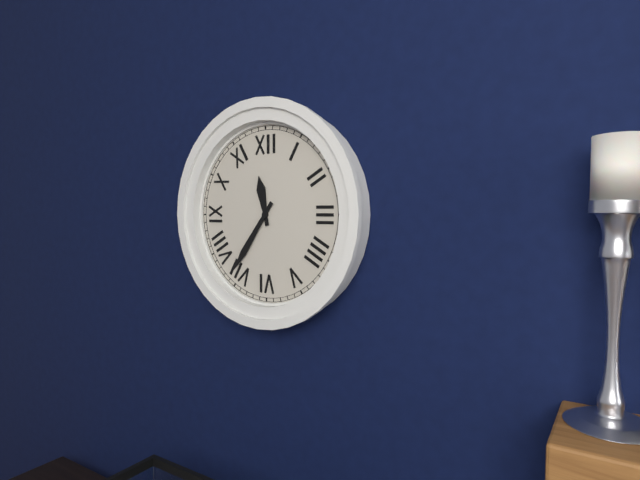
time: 11:36
